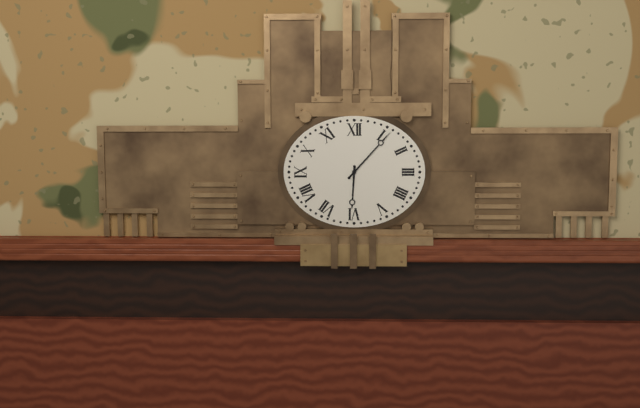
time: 6:07
